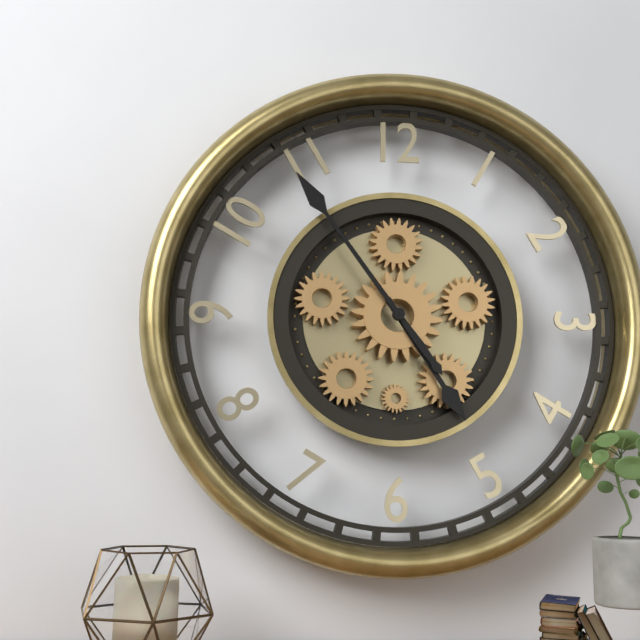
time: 4:54
